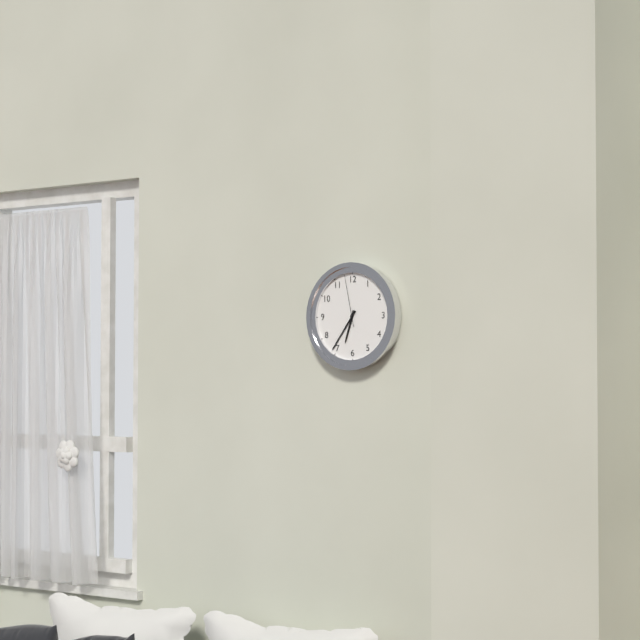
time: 6:36:58
